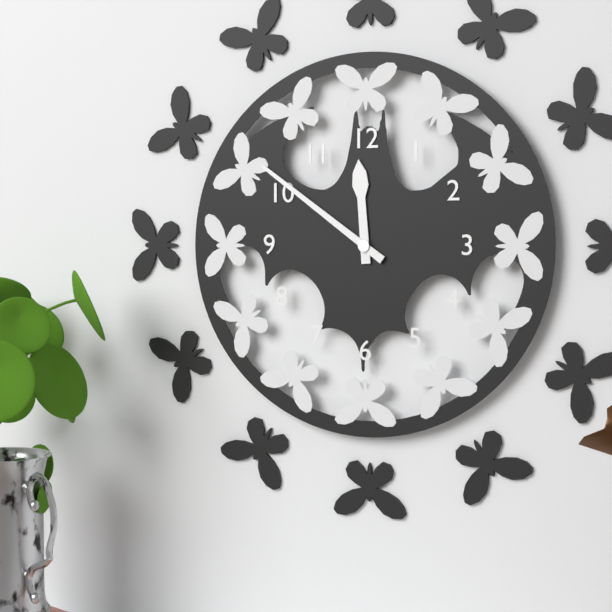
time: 11:51
